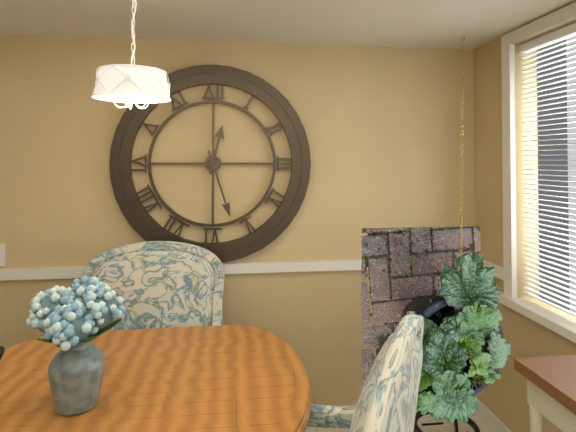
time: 12:27
